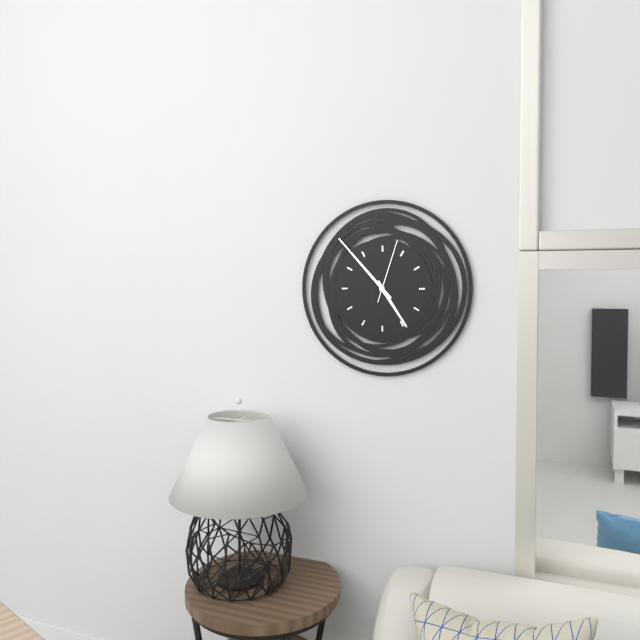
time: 4:53:03
